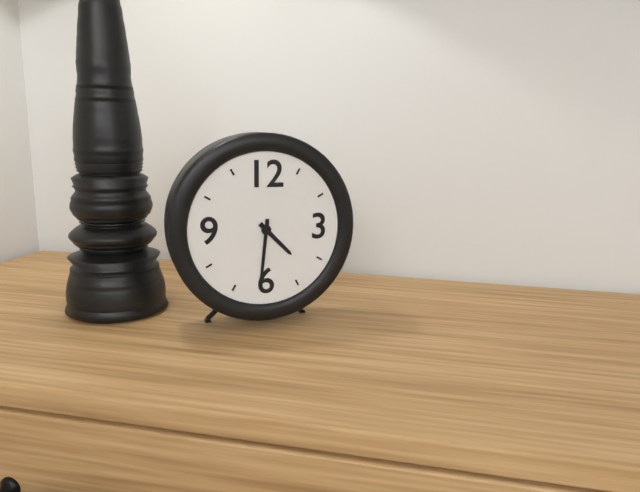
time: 4:31
